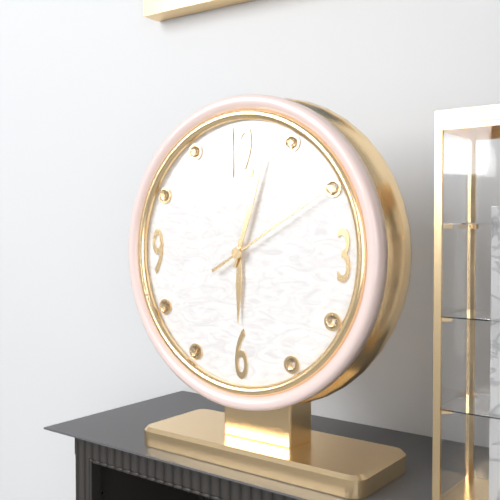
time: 6:03:10
